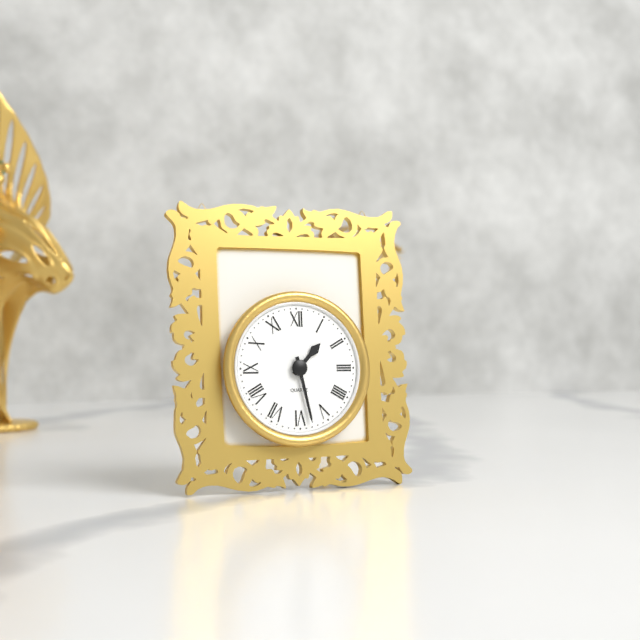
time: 1:28
